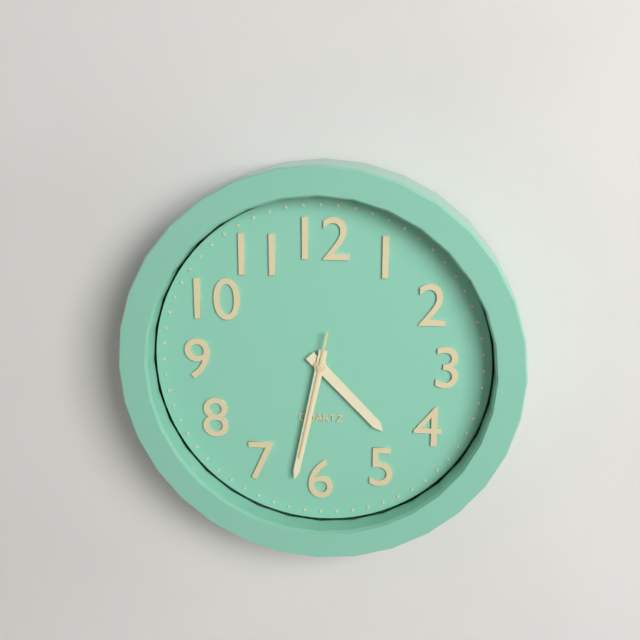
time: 4:32:32
